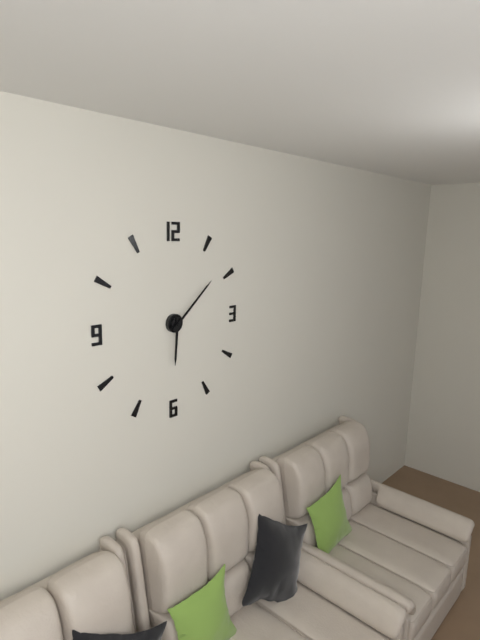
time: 6:08
